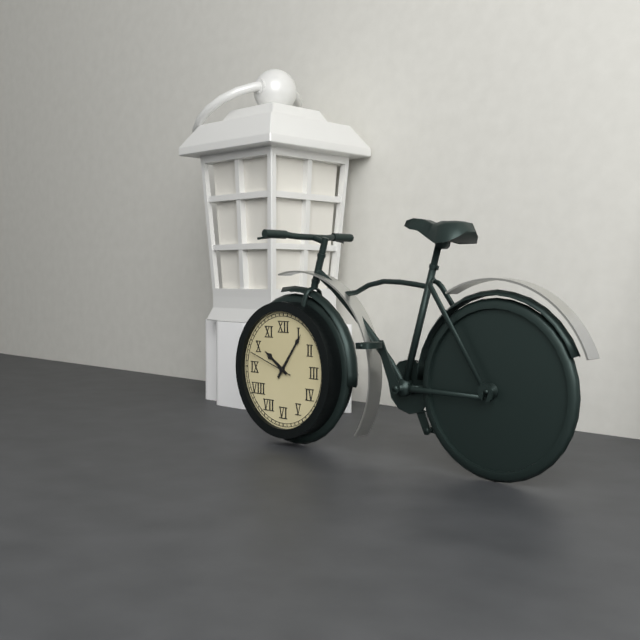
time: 10:06
